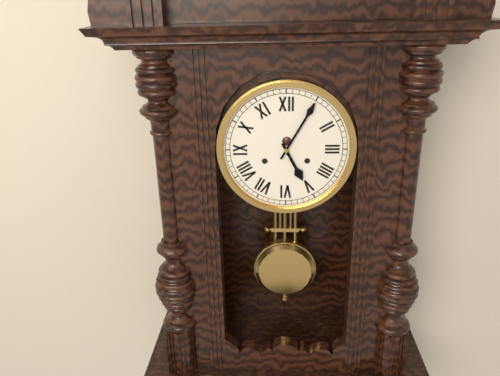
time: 5:05
